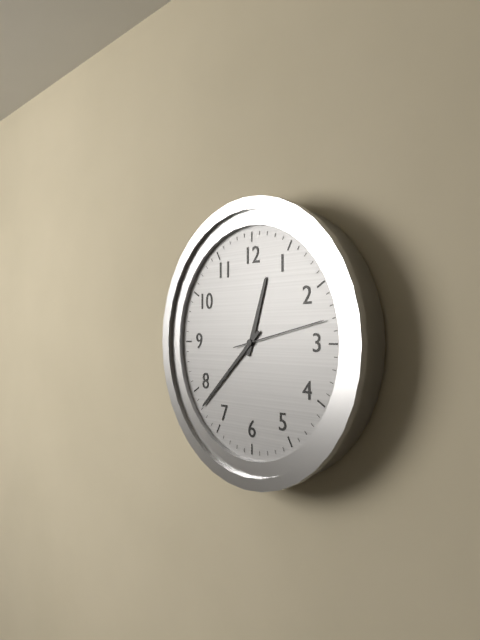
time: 12:38:13
